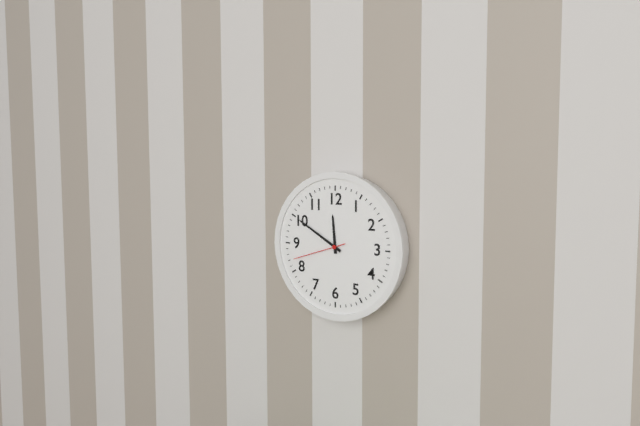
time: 11:50:42
